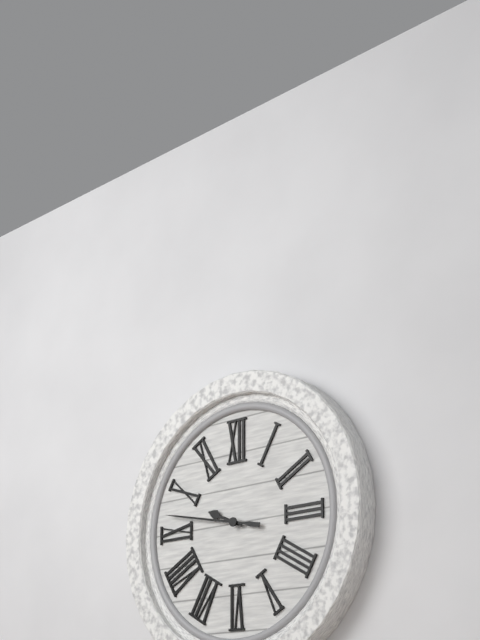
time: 9:47
